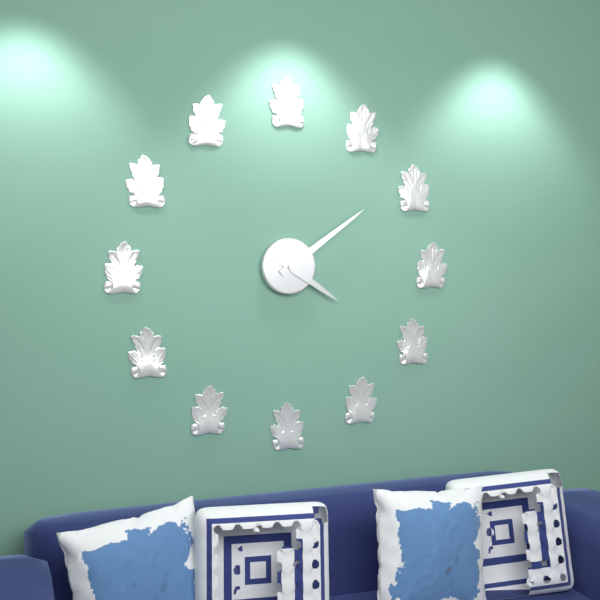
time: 4:09
